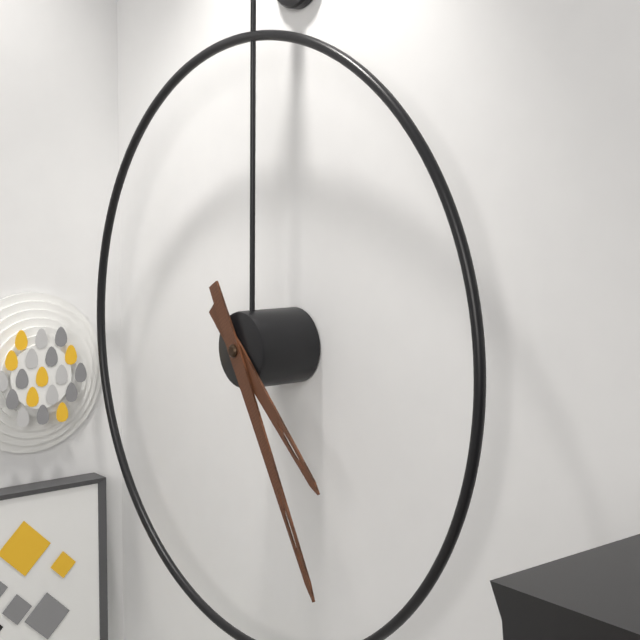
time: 4:25
